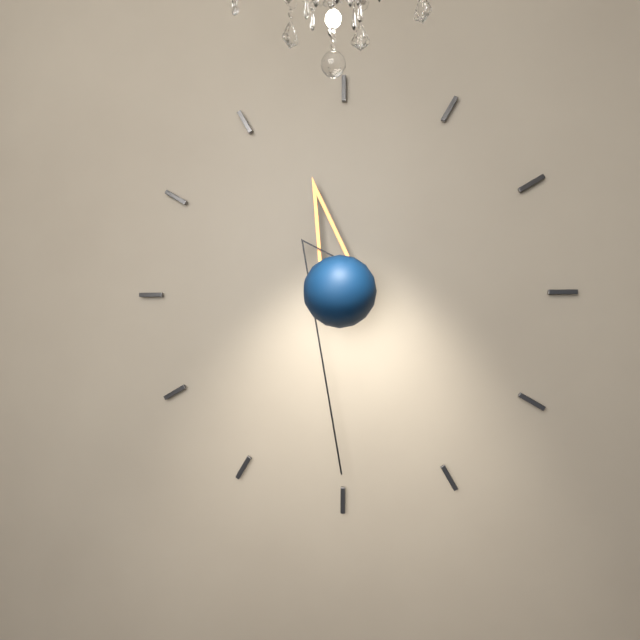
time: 11:30
